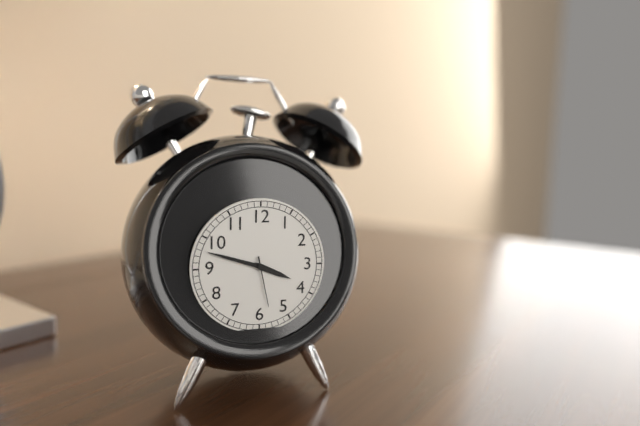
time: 3:48:28
